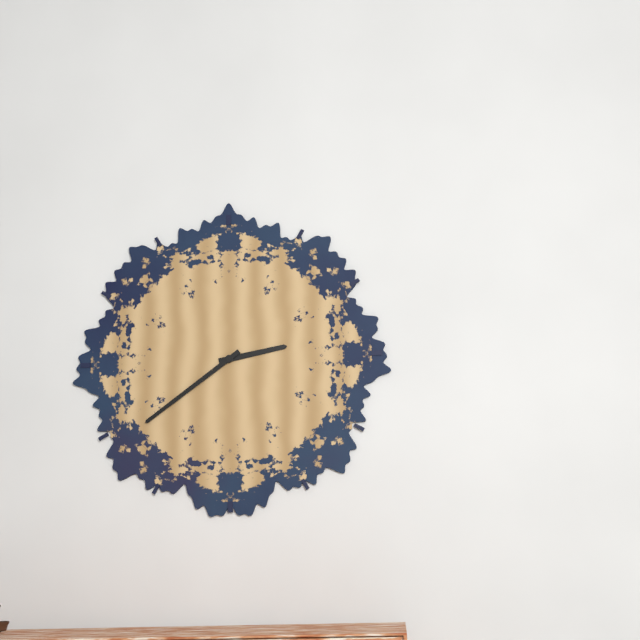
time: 2:39
